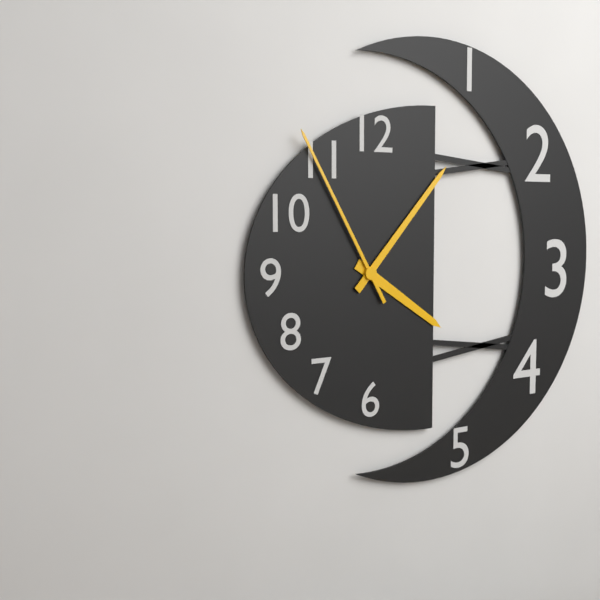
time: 4:07:55
